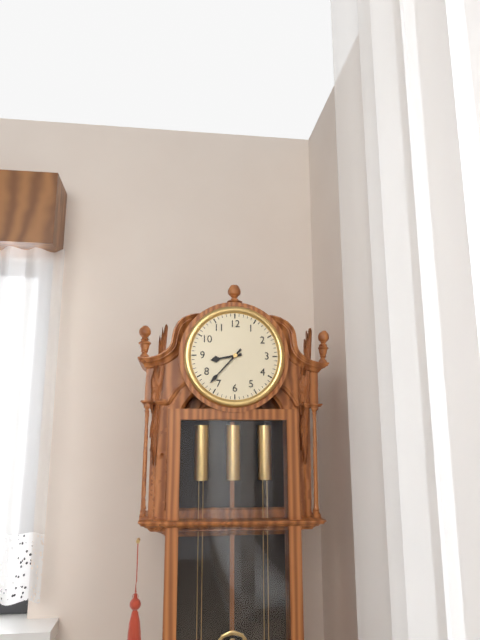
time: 8:37
